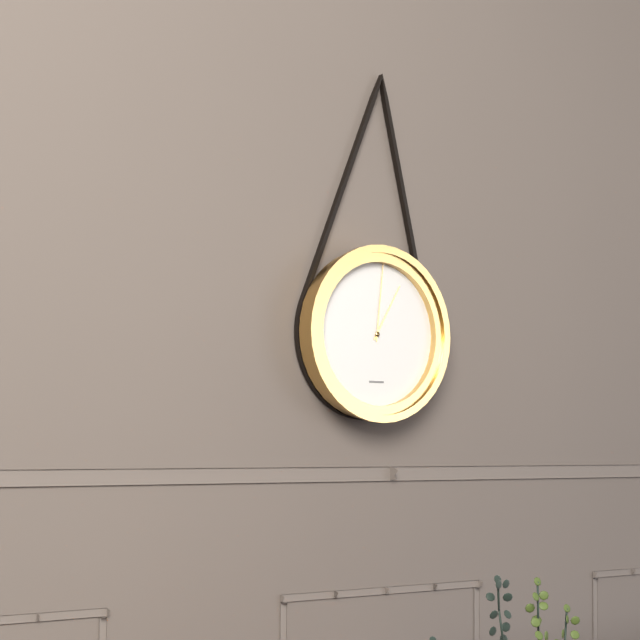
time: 1:01
